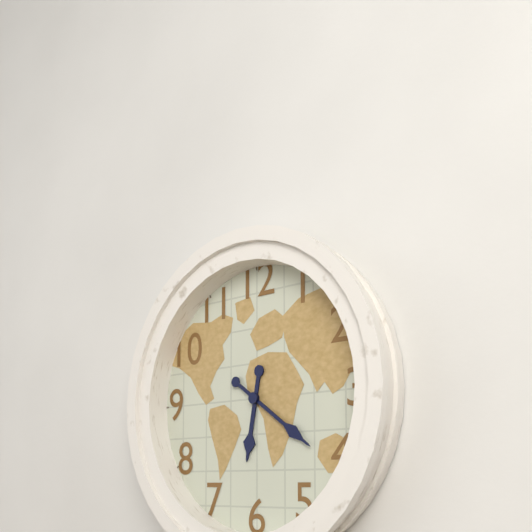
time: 6:21
